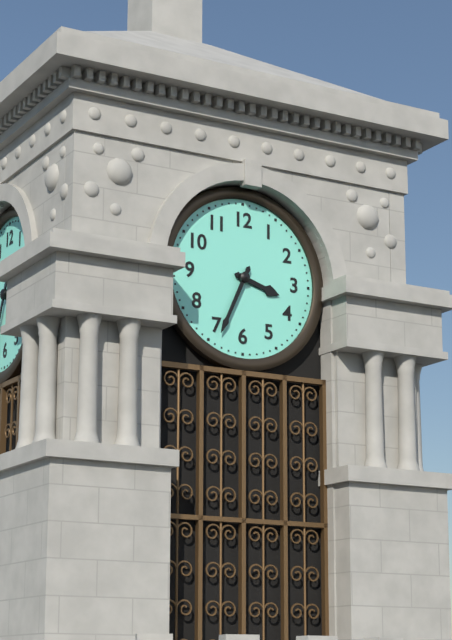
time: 3:34
